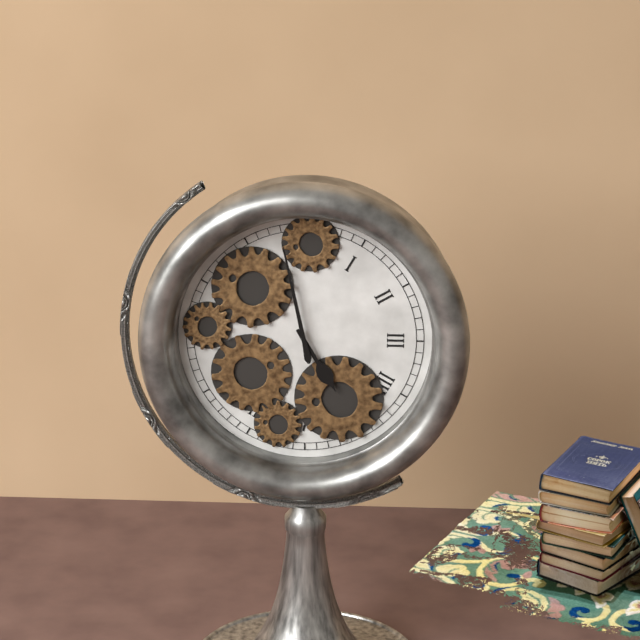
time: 4:58
